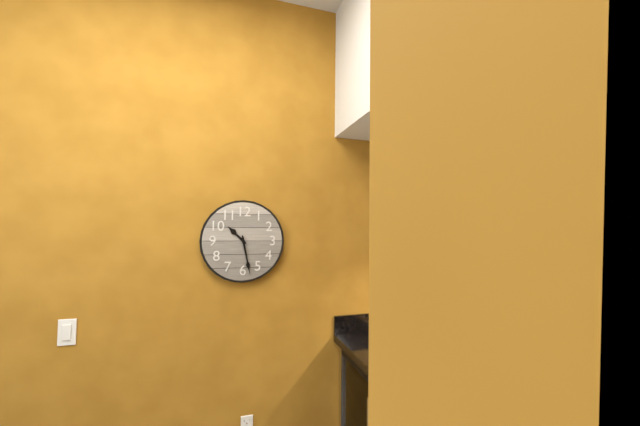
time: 10:28
